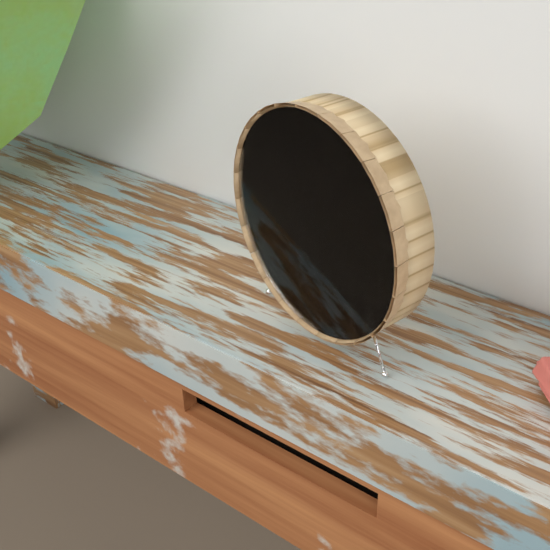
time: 3:53
